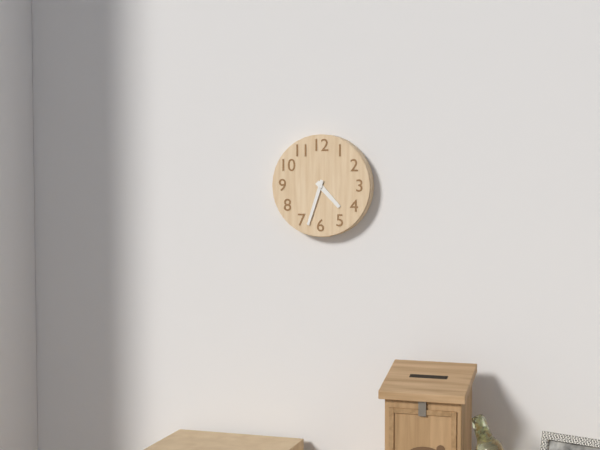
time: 4:33
